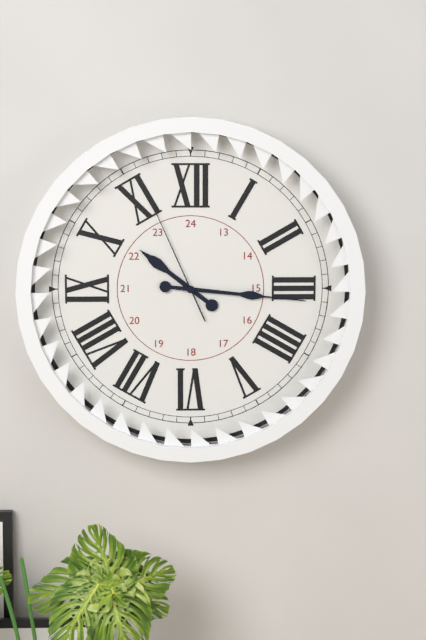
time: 10:16:56
